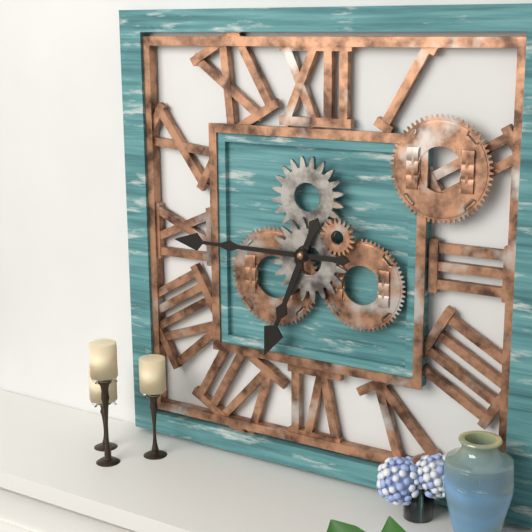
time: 6:45
